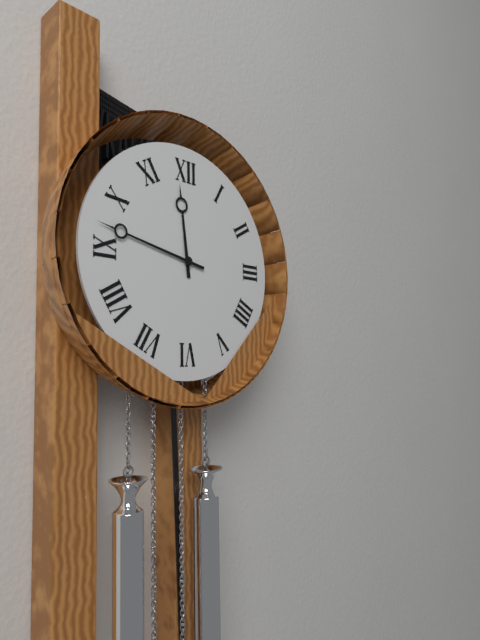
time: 11:47
